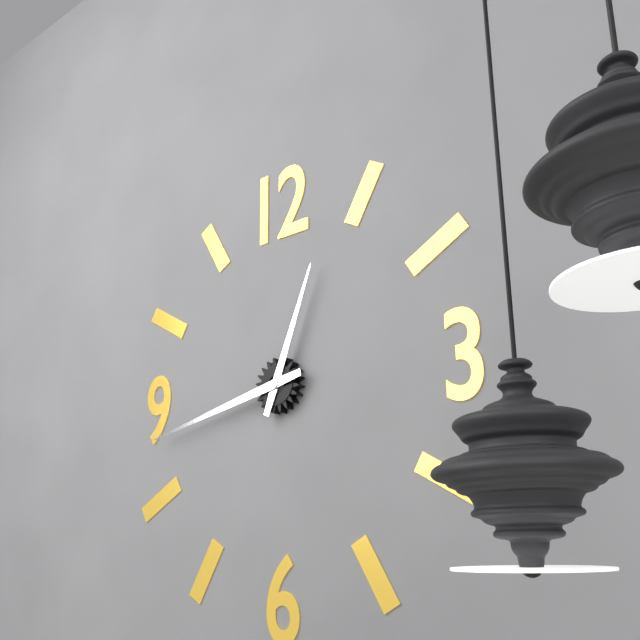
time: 12:43
